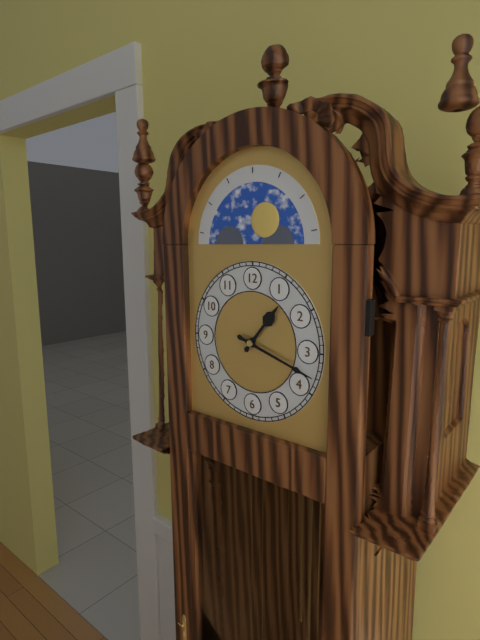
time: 1:18
